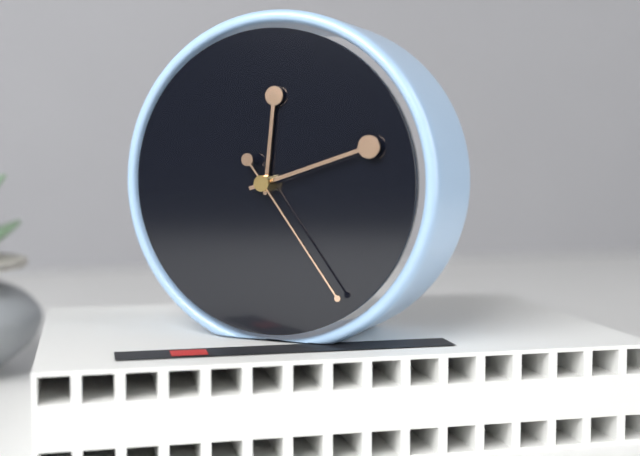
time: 12:12:24
